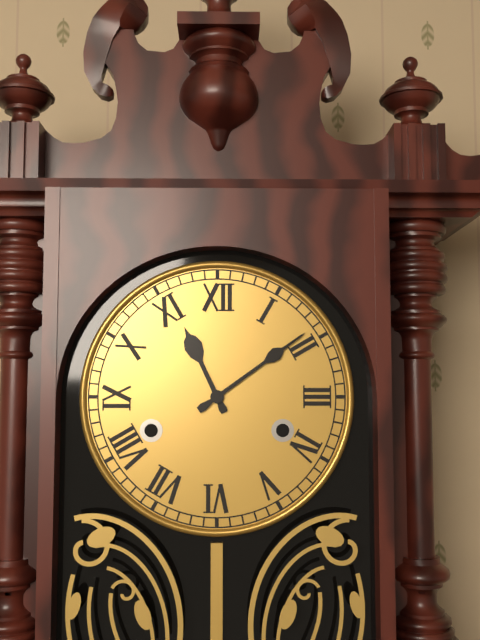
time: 11:09
